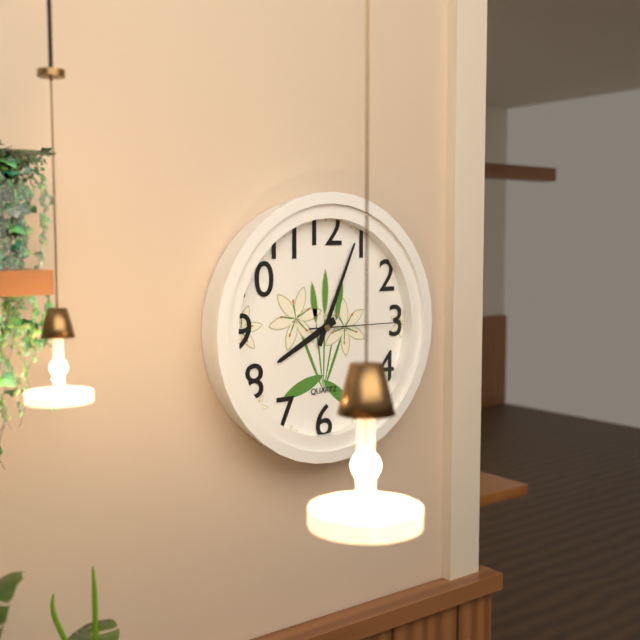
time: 8:04:15
